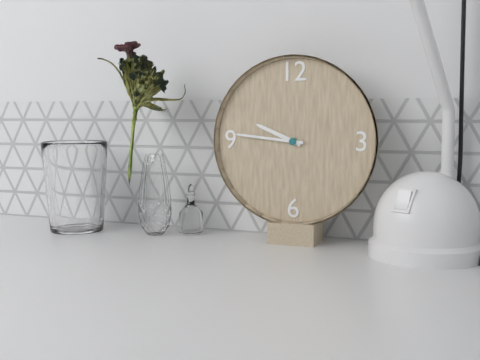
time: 9:46
